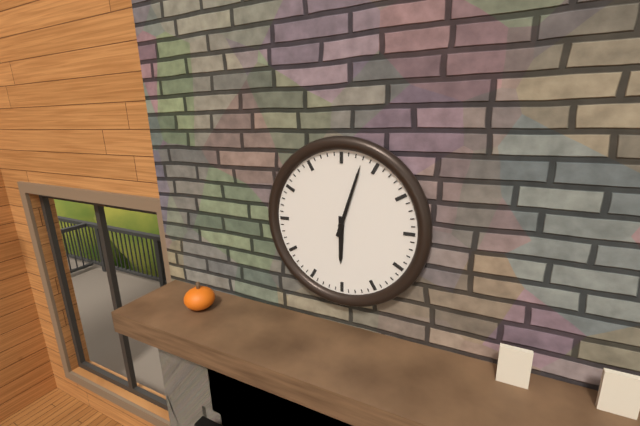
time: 6:03
